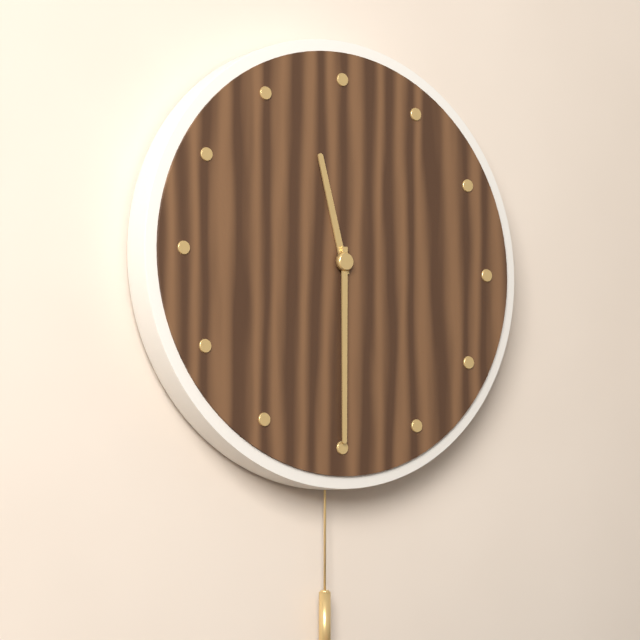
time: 11:30
